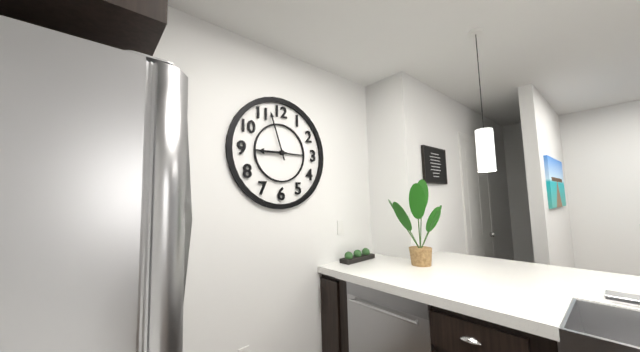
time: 8:57
